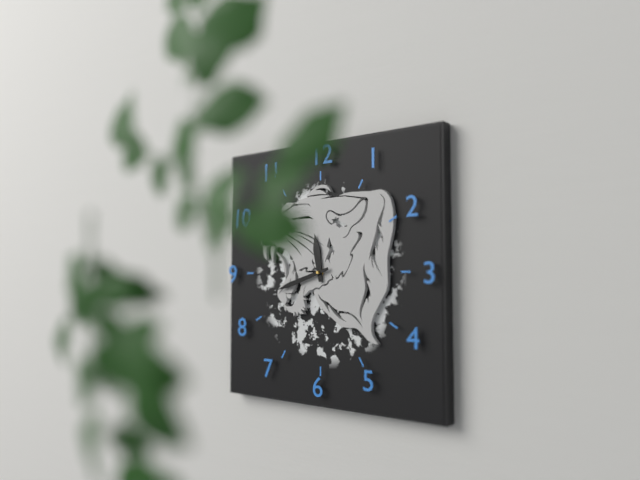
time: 11:42
